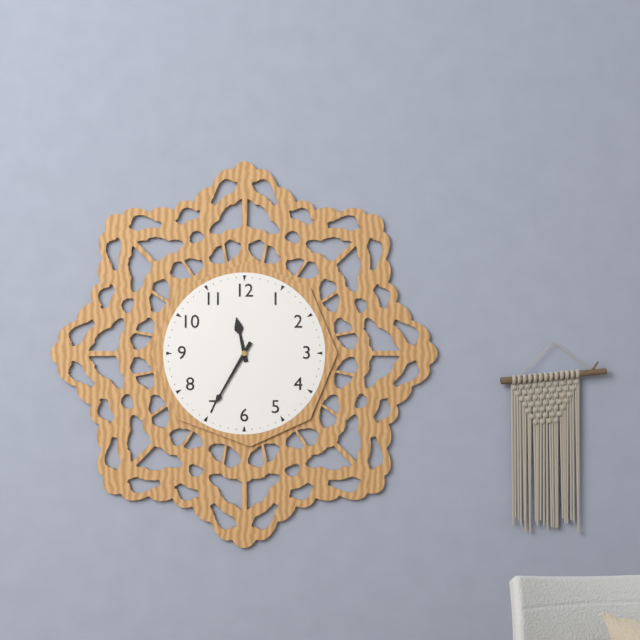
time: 11:35
